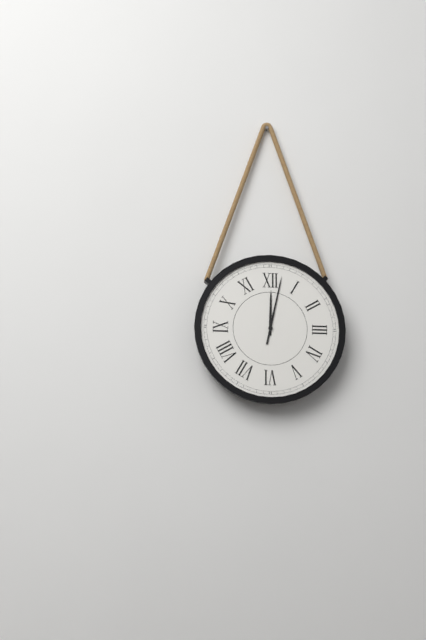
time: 12:02
